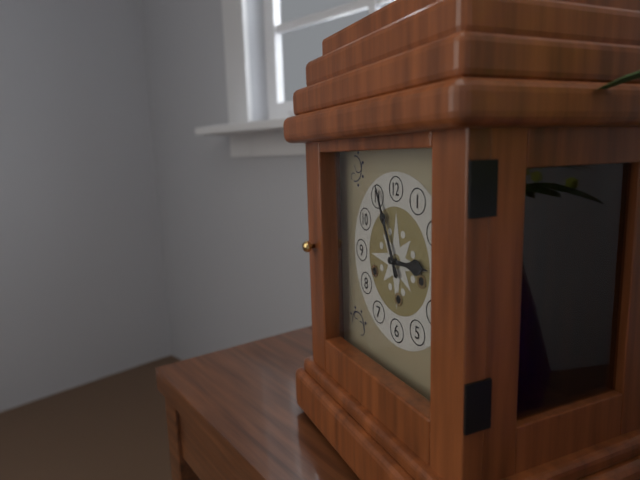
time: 2:56
